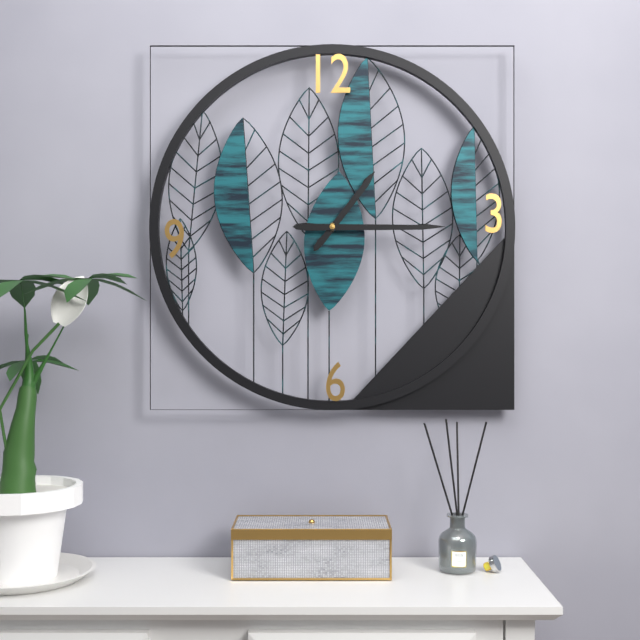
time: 1:15
